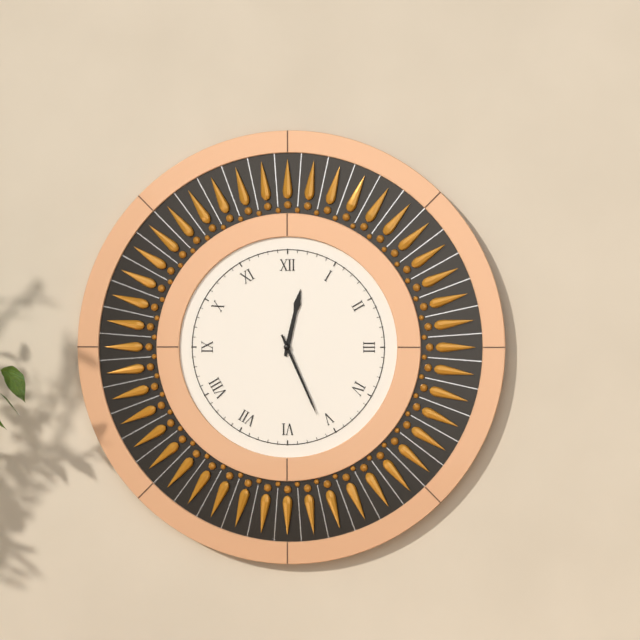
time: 12:26
